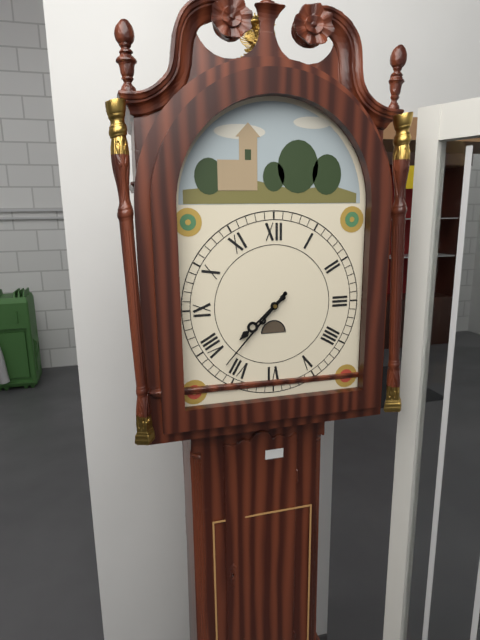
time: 7:37
